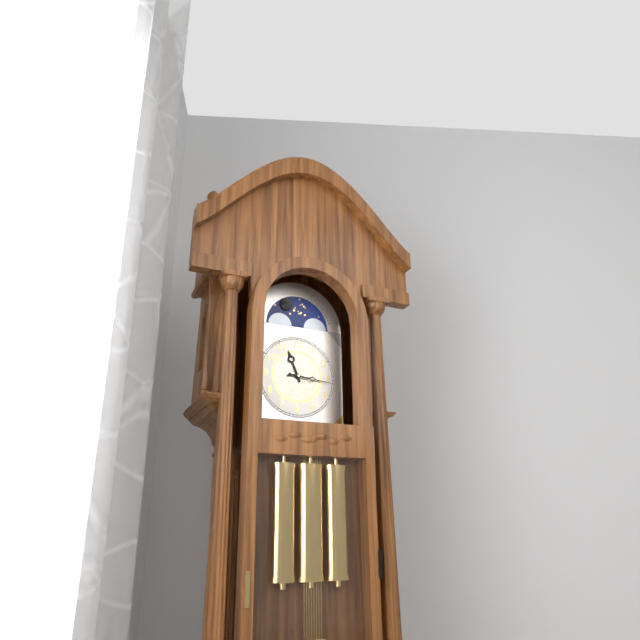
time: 11:16
